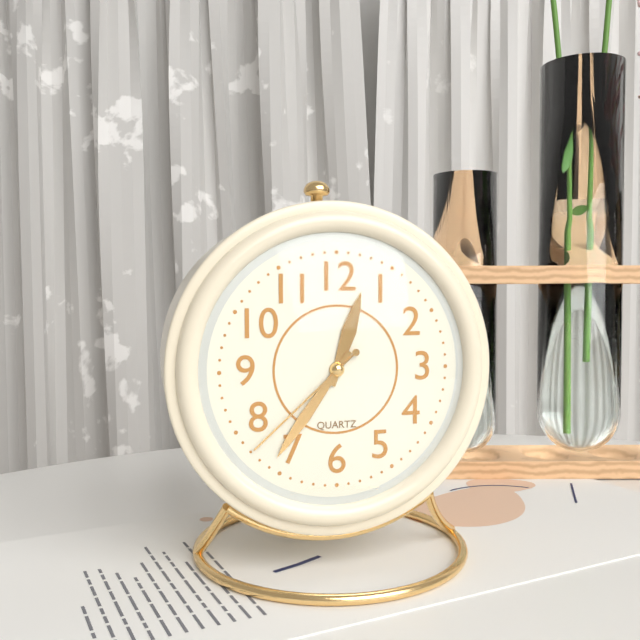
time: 12:36:38
